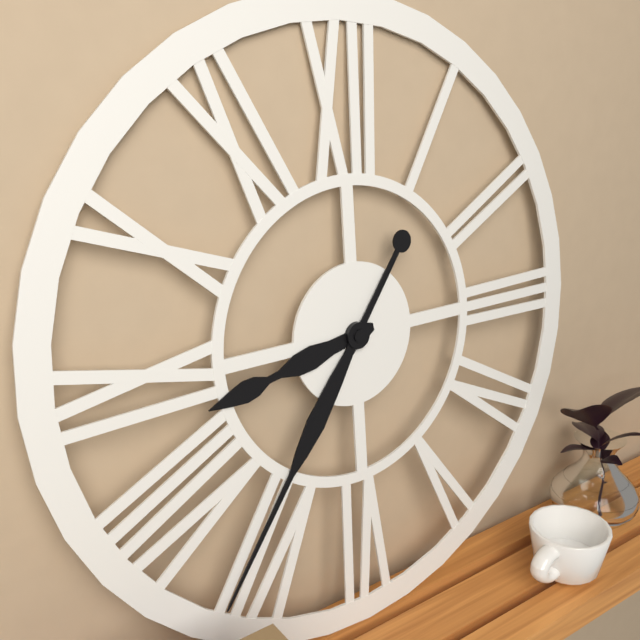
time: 8:36
